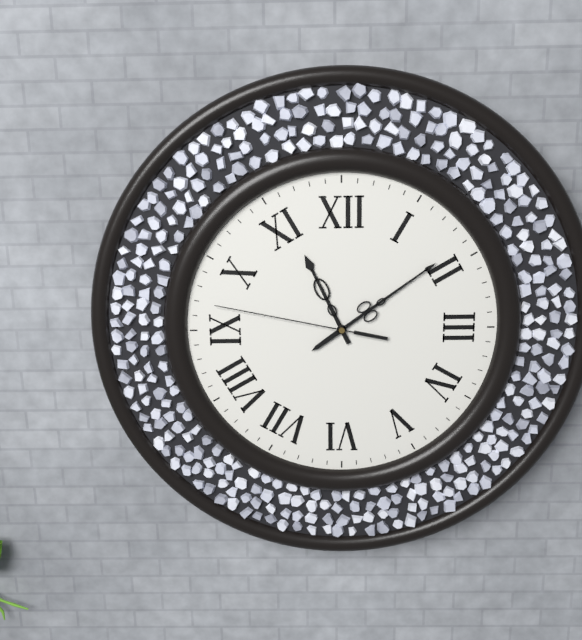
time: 11:09:47
